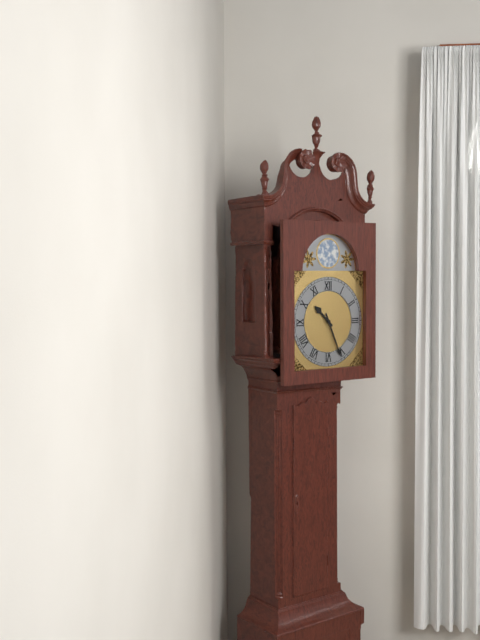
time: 10:26
